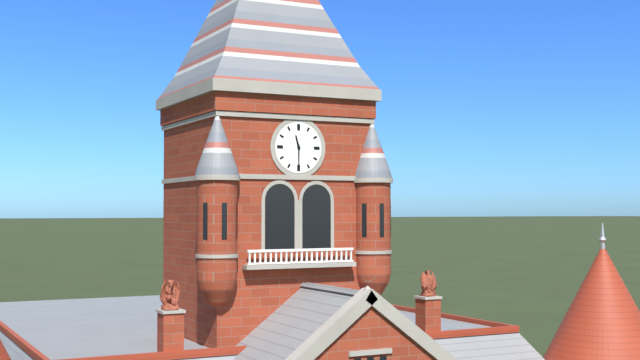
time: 11:30
